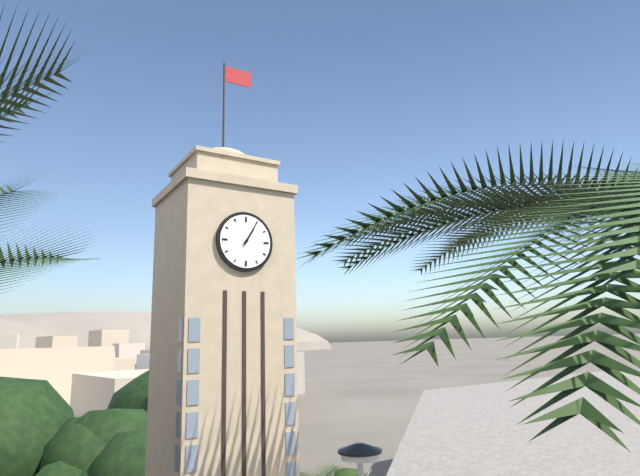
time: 1:05
